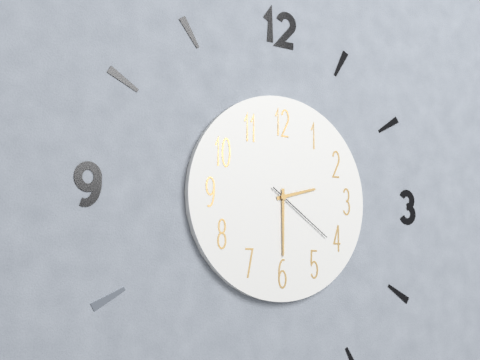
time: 2:30:21
